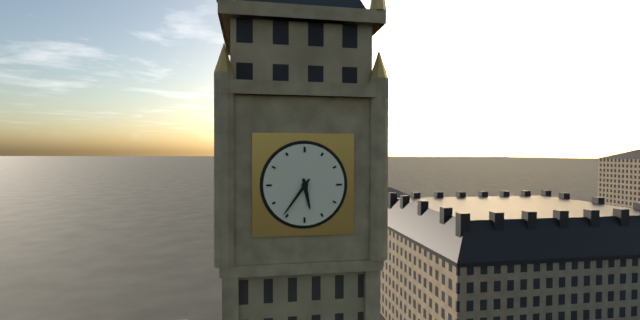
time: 5:36
